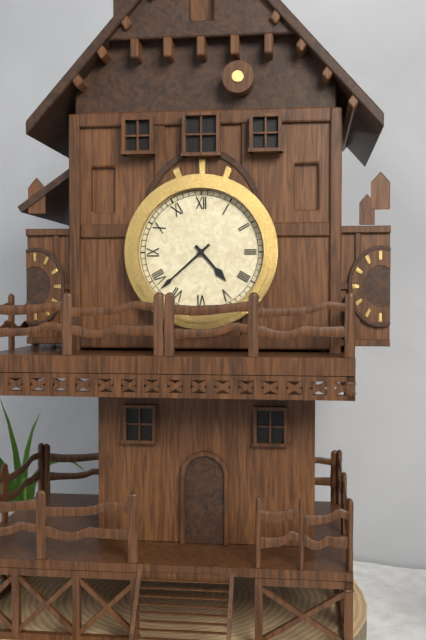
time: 4:38
